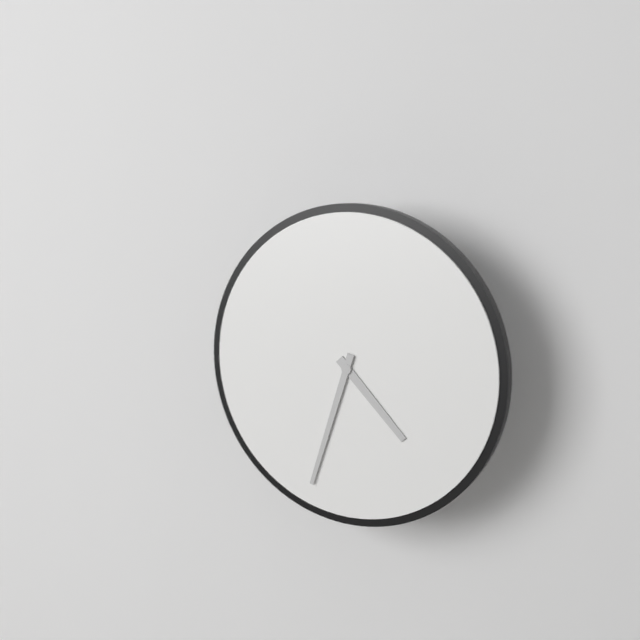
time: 4:33
